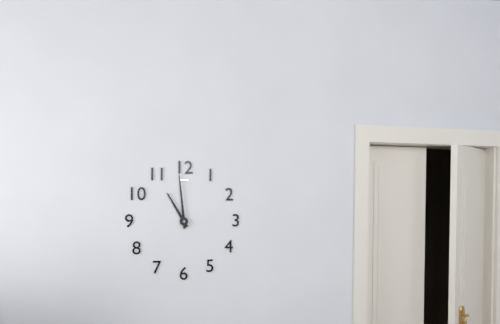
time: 10:59
